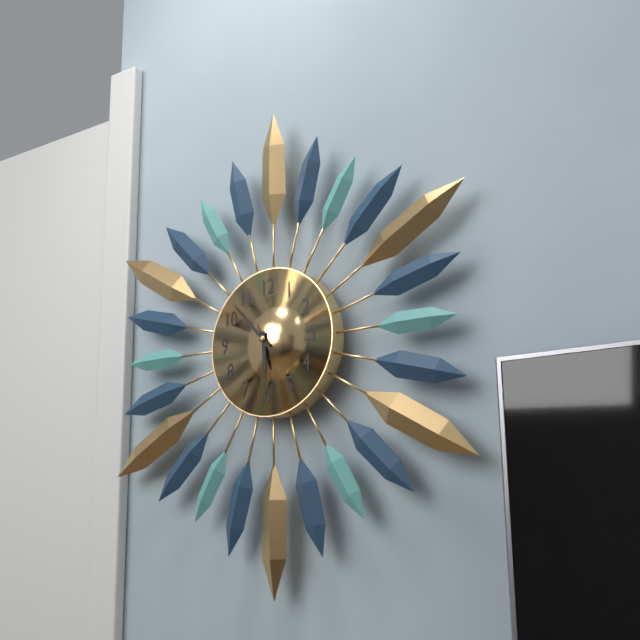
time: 5:53
